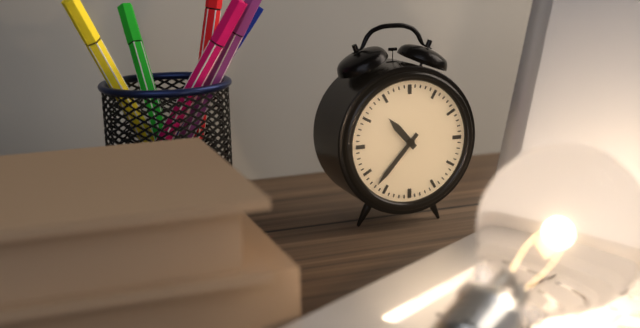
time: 10:37
